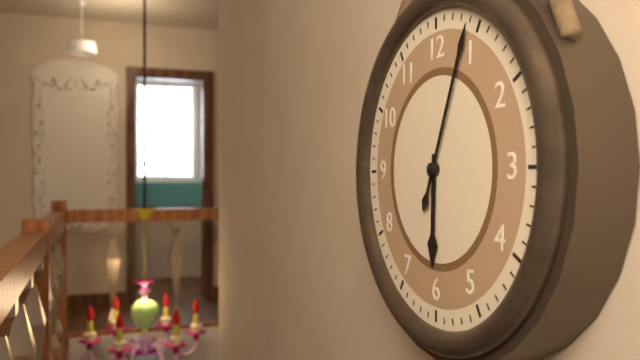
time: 6:04
